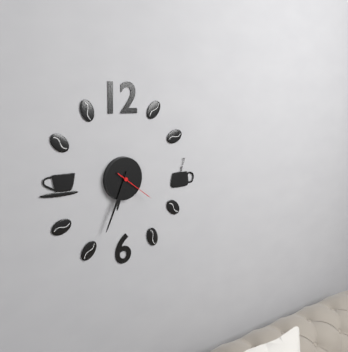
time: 6:34
